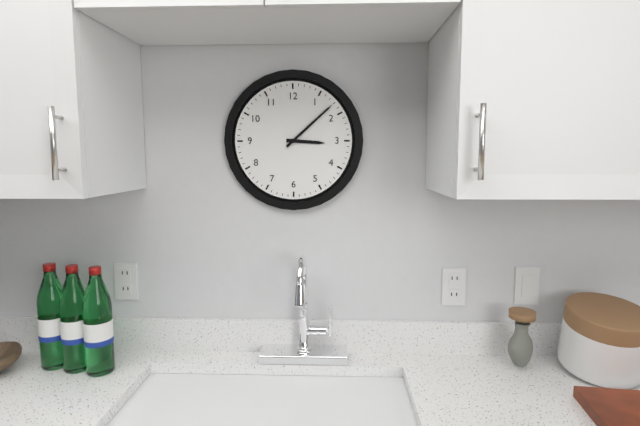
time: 3:08
